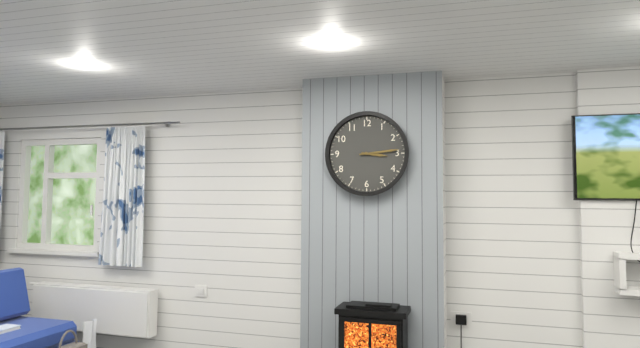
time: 3:14
